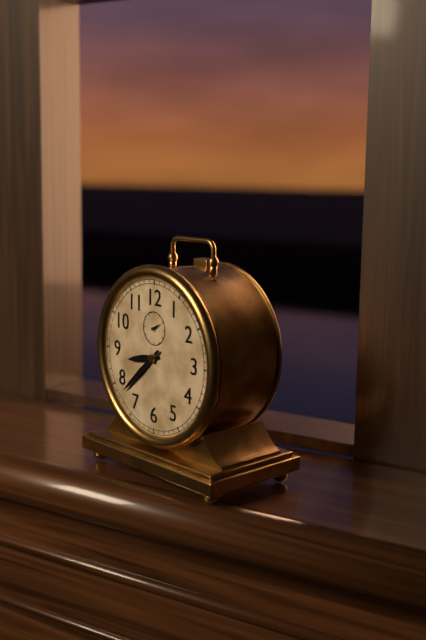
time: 8:38
